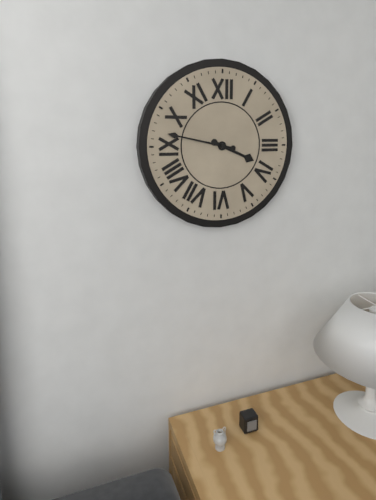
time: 3:47
